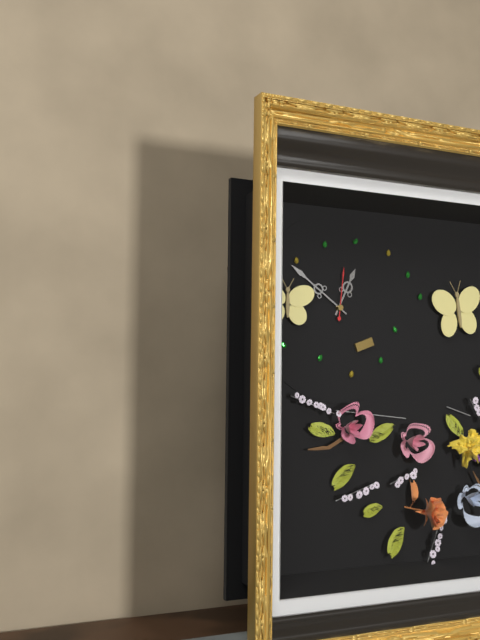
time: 12:51:01
